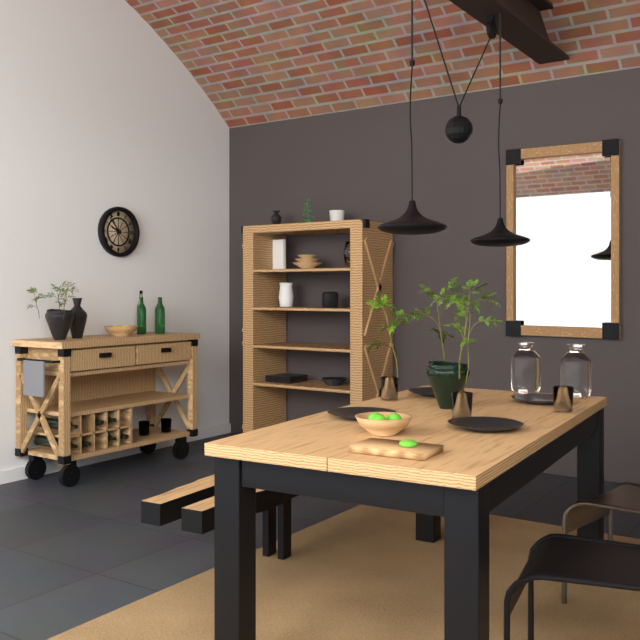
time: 9:53
